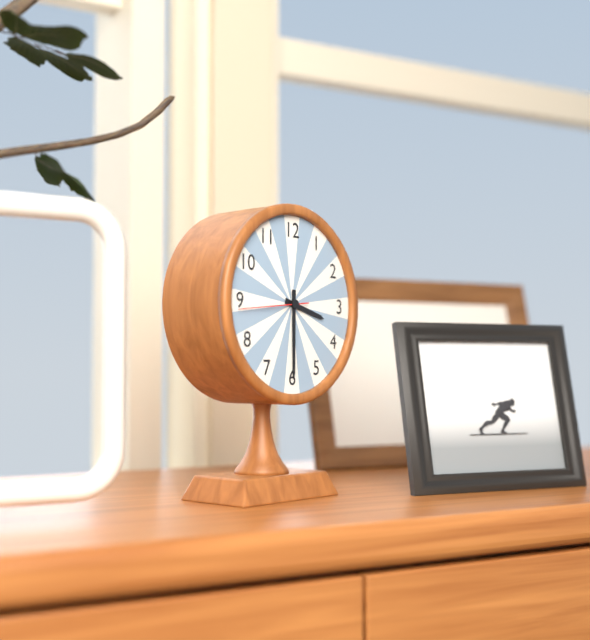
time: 3:30:44
